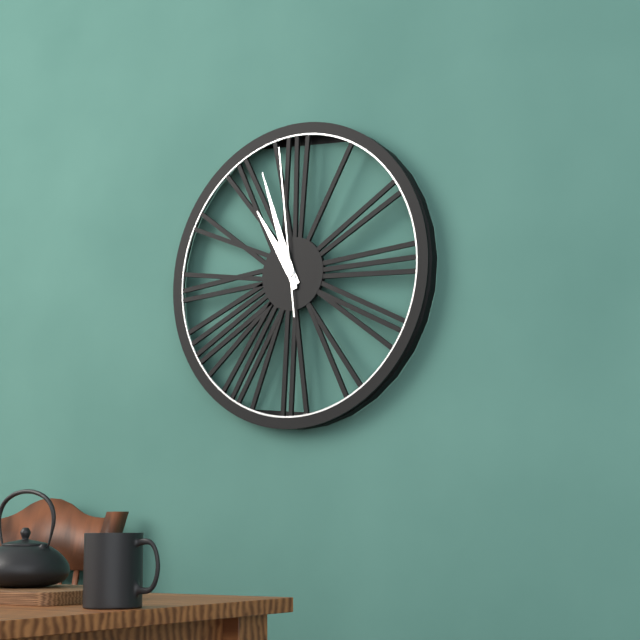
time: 10:57:59
